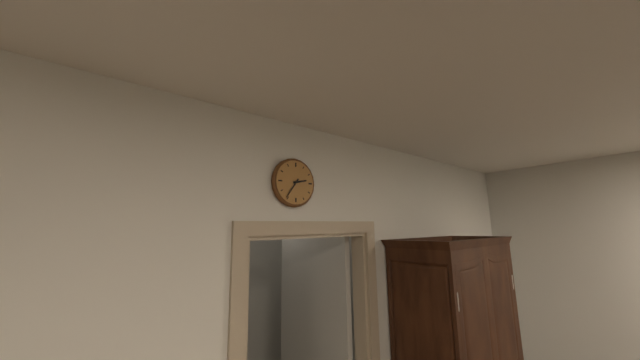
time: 2:36
